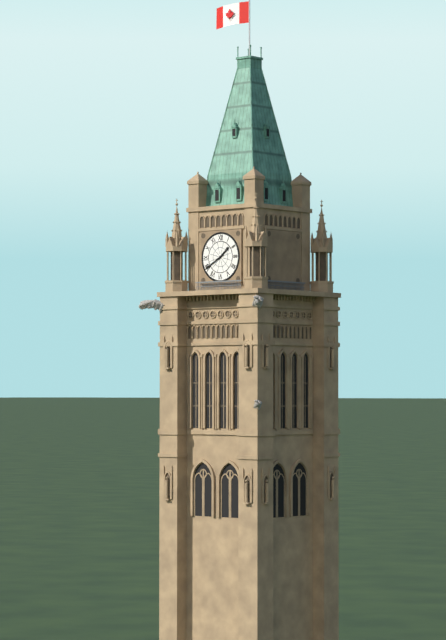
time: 1:40
